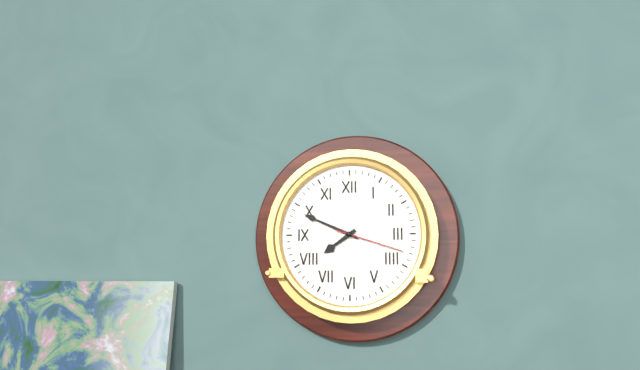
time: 7:49:18
